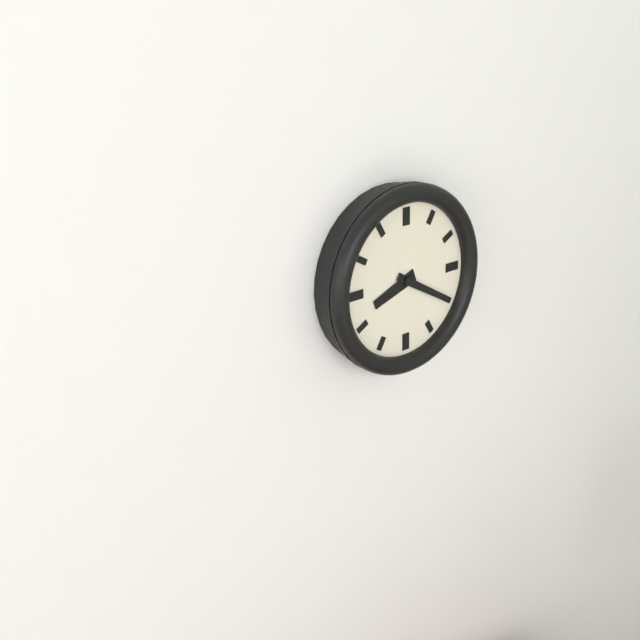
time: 8:20
